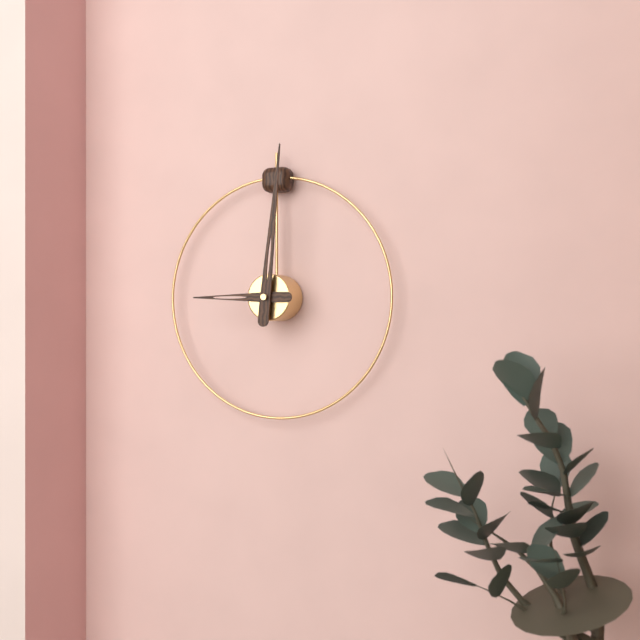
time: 9:01
